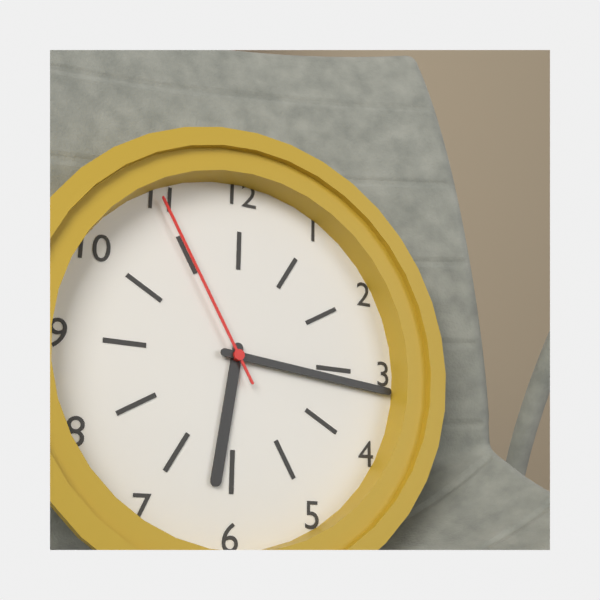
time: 6:16:55
